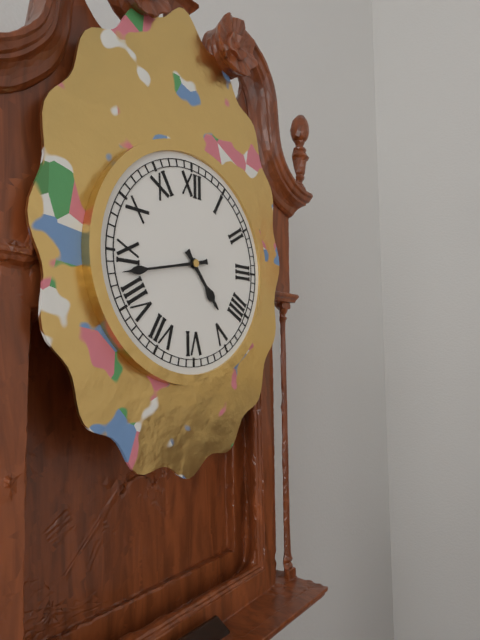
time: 4:43
